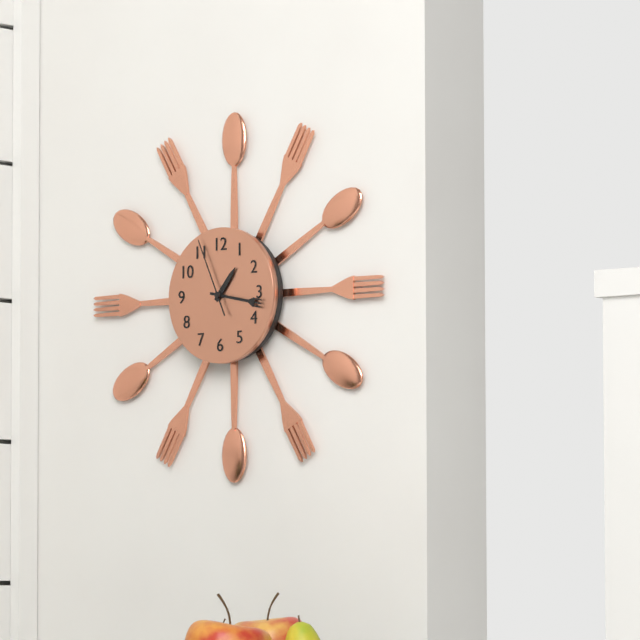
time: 1:17:56
